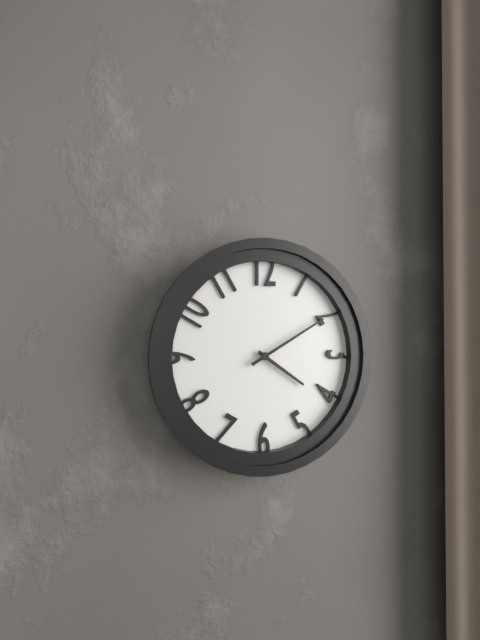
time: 4:10
